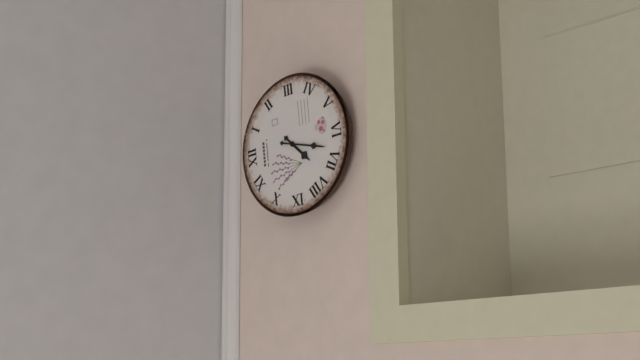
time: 7:33
